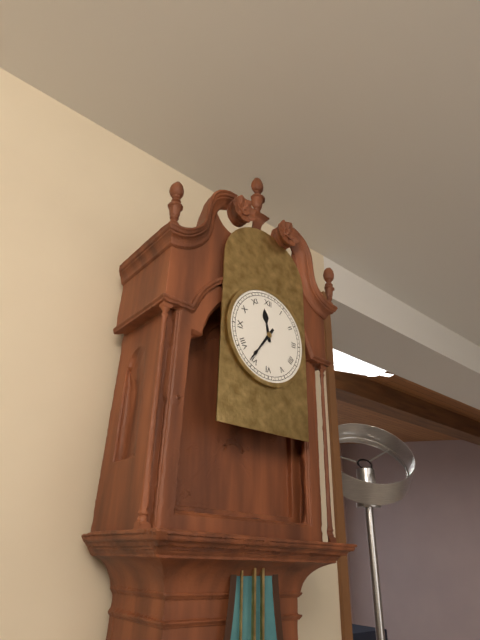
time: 11:36
